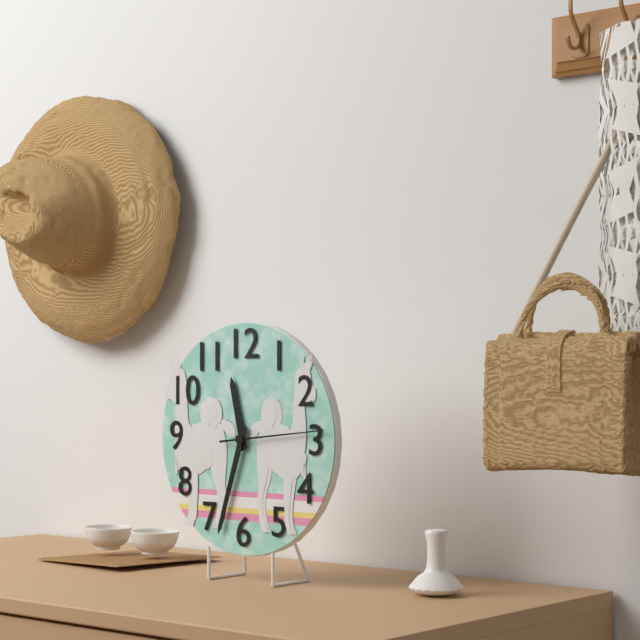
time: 11:33:14
